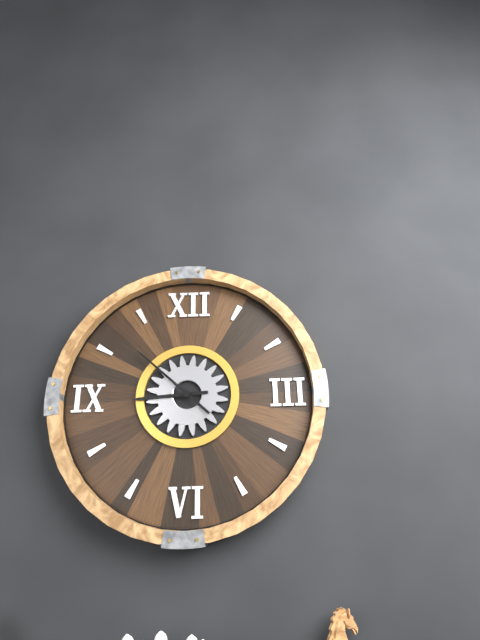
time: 8:52
